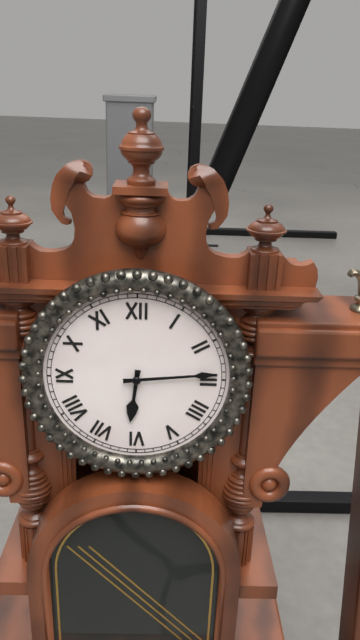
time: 6:14
